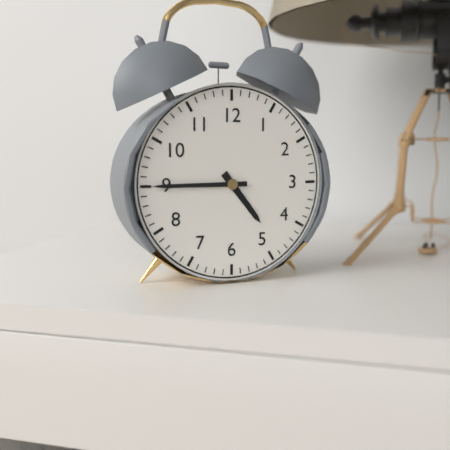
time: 4:45
